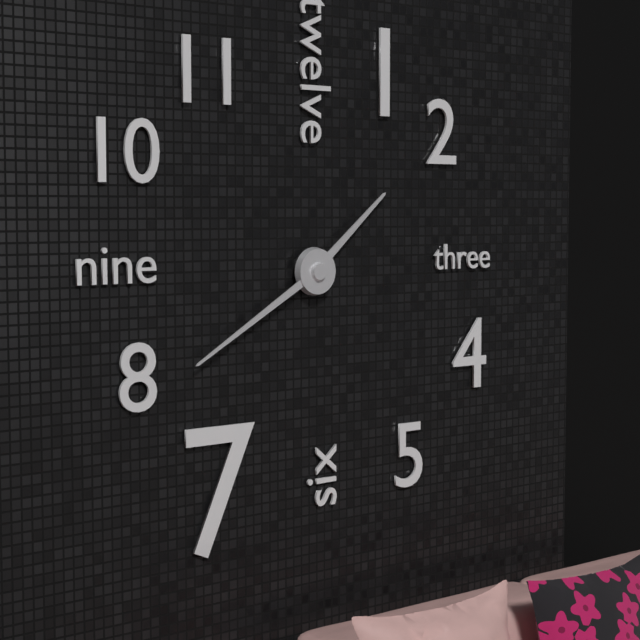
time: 1:40
